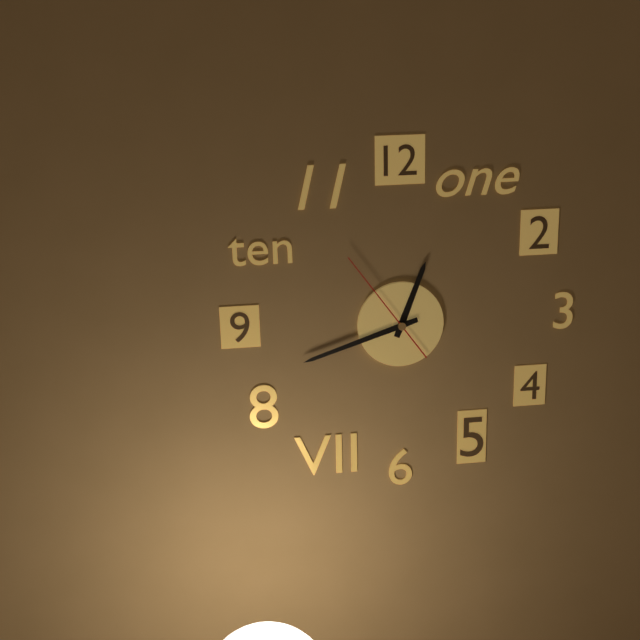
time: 12:42:54
